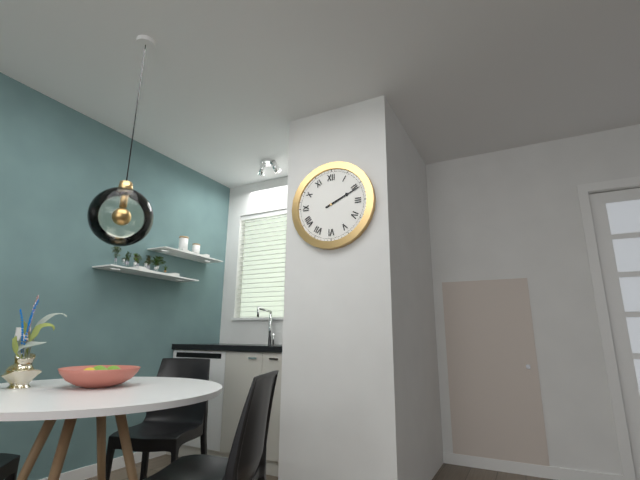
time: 2:11
